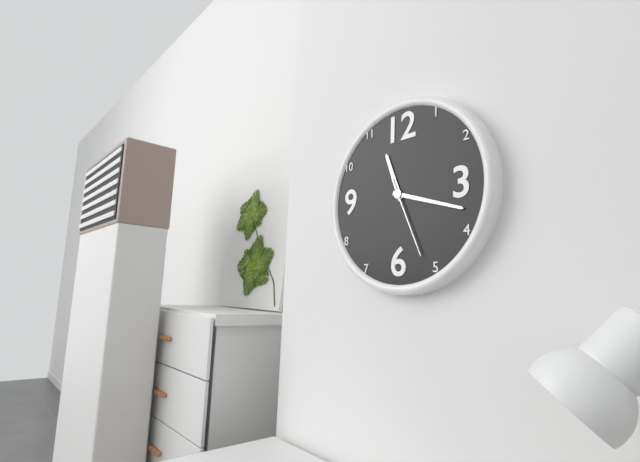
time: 11:18:26
